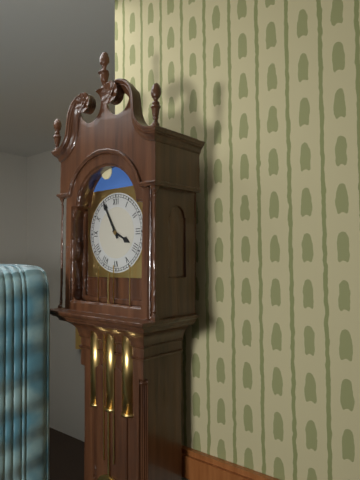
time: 3:55
